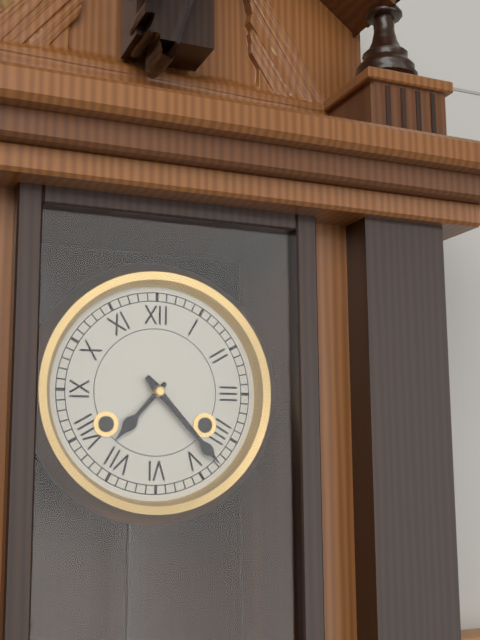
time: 7:23
